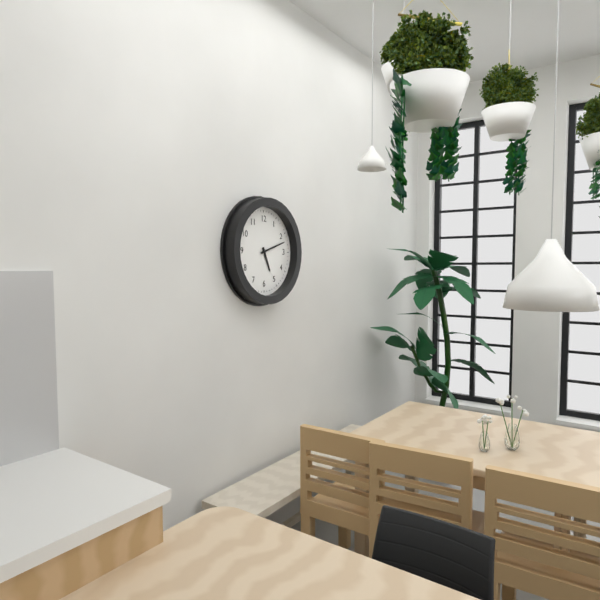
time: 5:12
